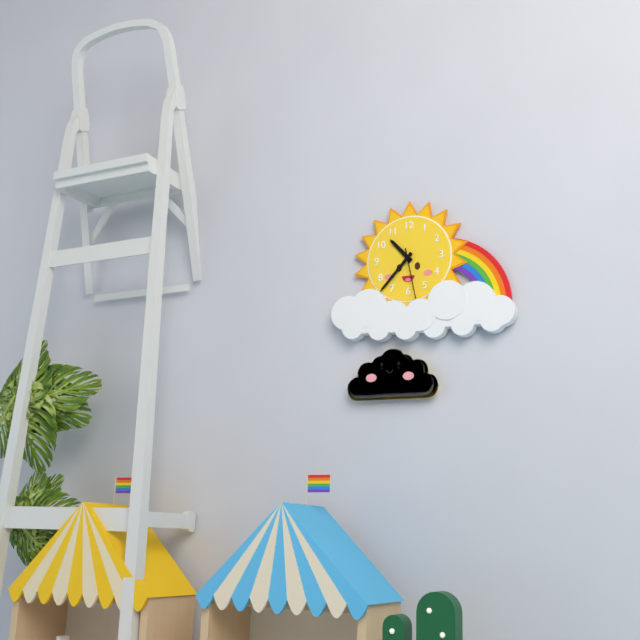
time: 10:37:28
